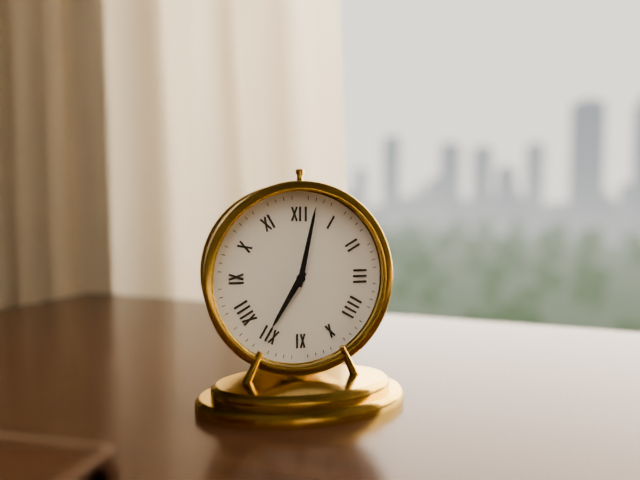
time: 7:02
